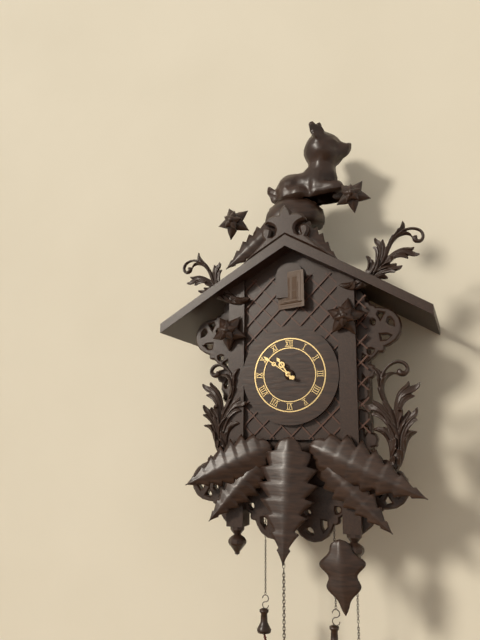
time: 10:51
